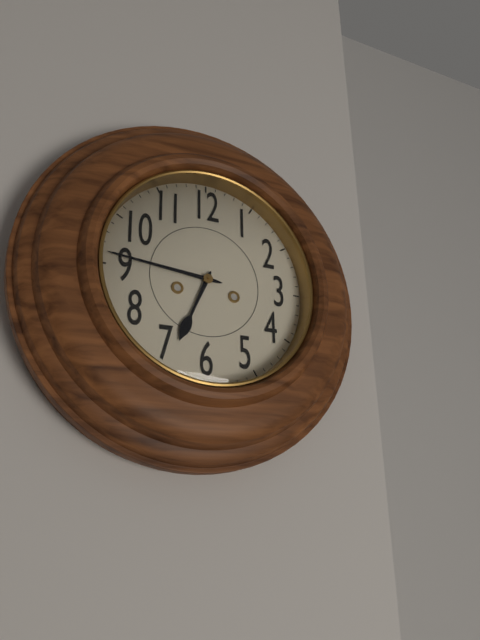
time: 6:46
